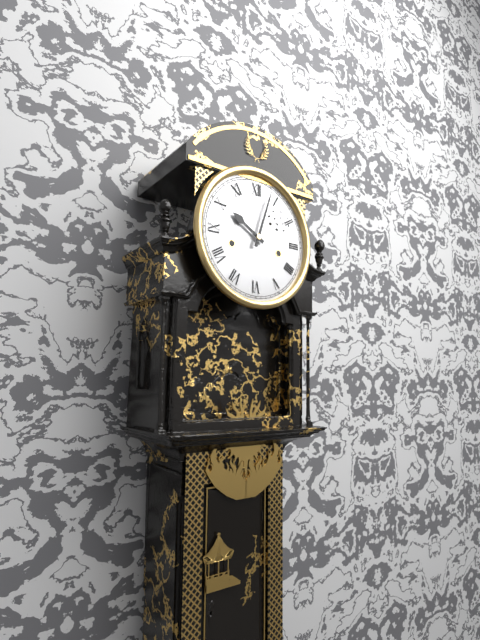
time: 10:03
